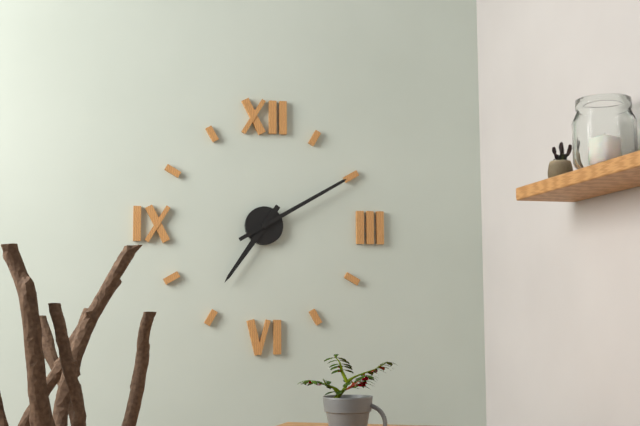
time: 7:10
